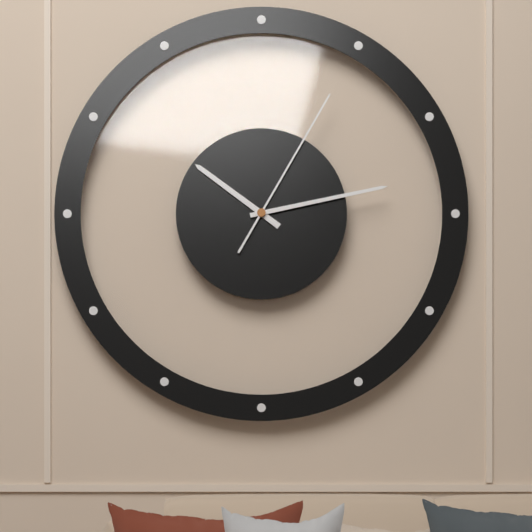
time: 10:13:05
